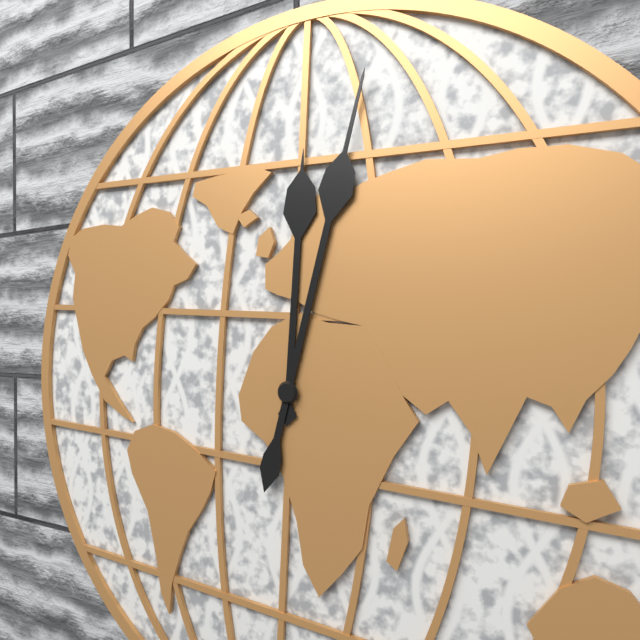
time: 12:02
